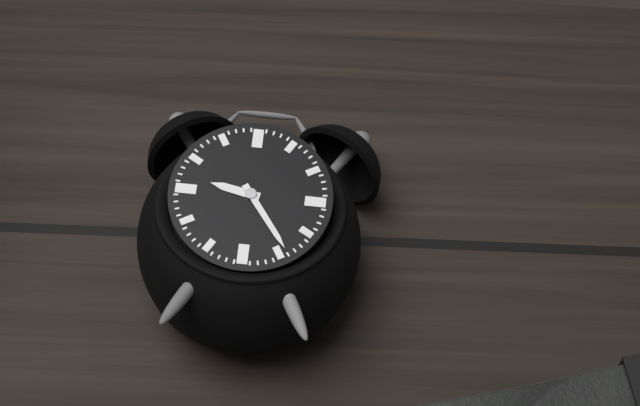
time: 9:24
